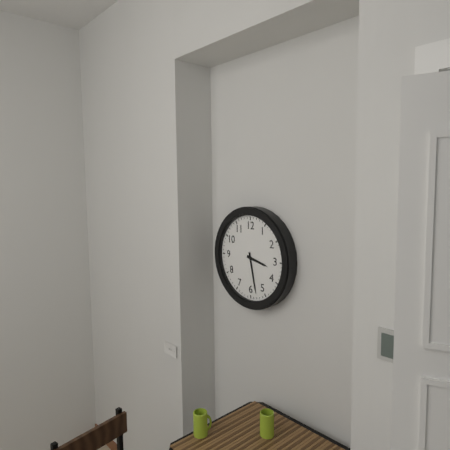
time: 3:28
